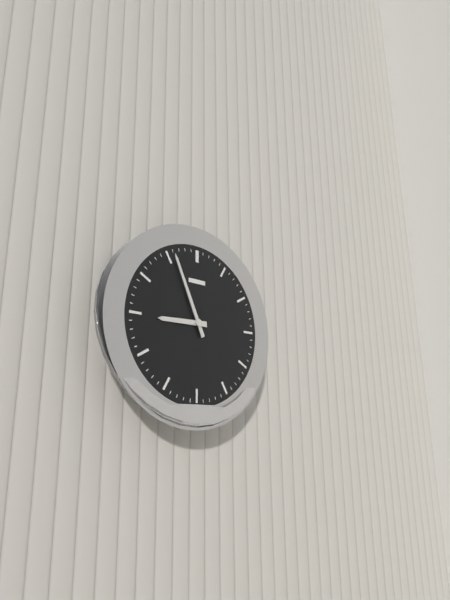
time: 8:56
